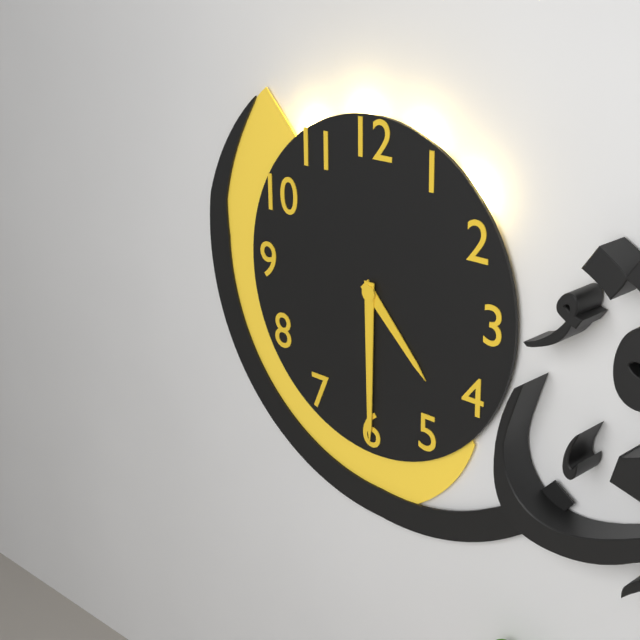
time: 4:30
